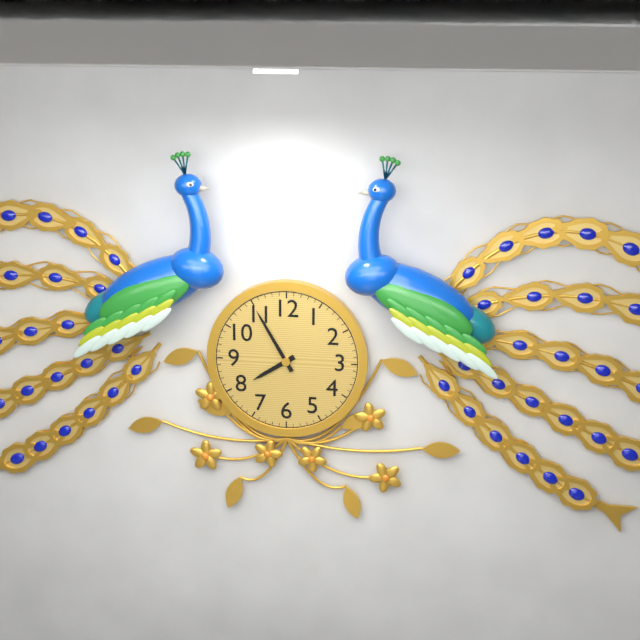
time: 7:55
